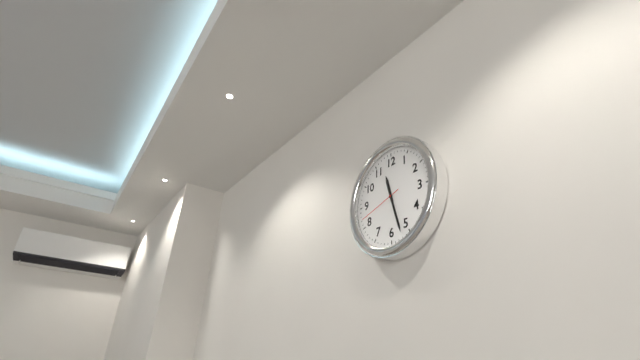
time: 11:27
